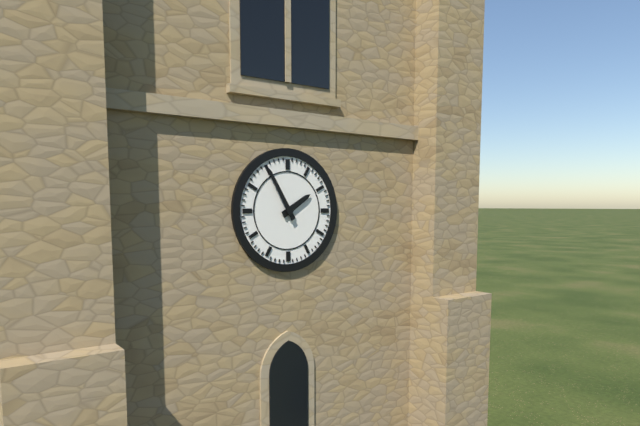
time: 1:55
